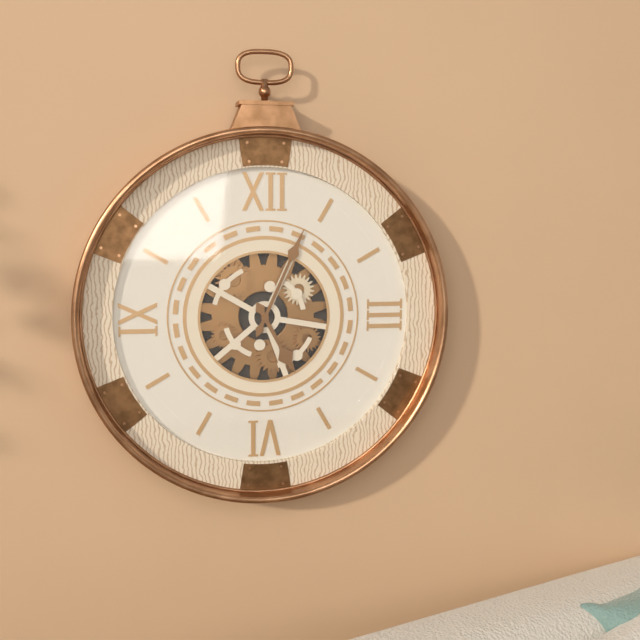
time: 5:04
